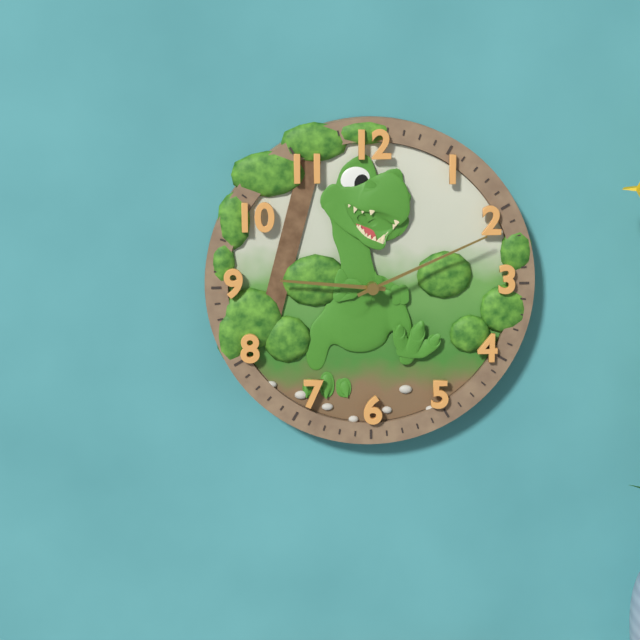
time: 9:11
